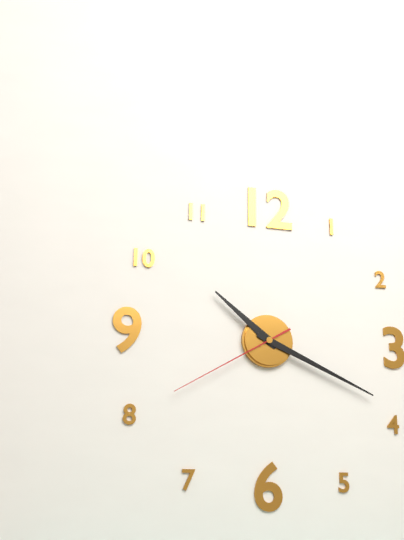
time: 10:19:40
